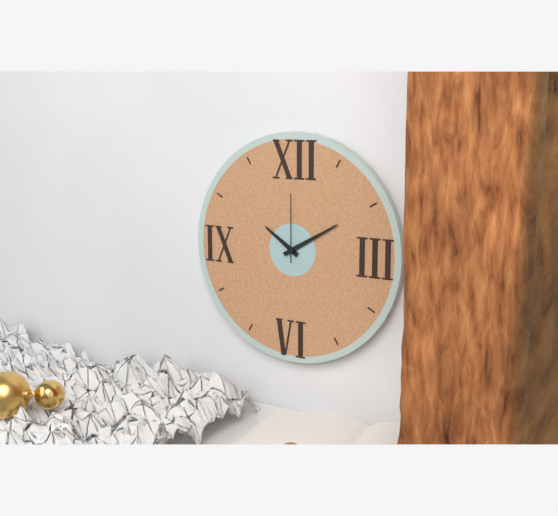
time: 10:10:00
